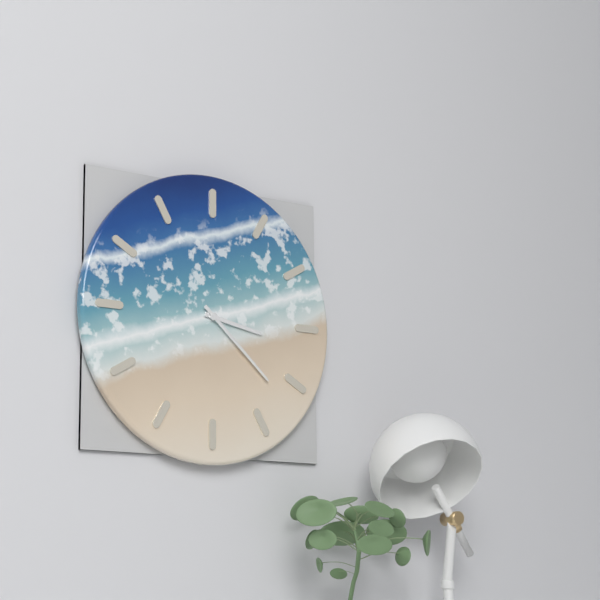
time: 3:22
